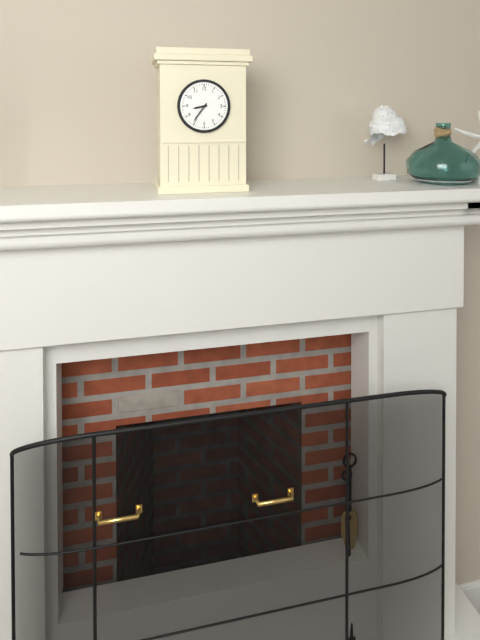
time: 8:36
